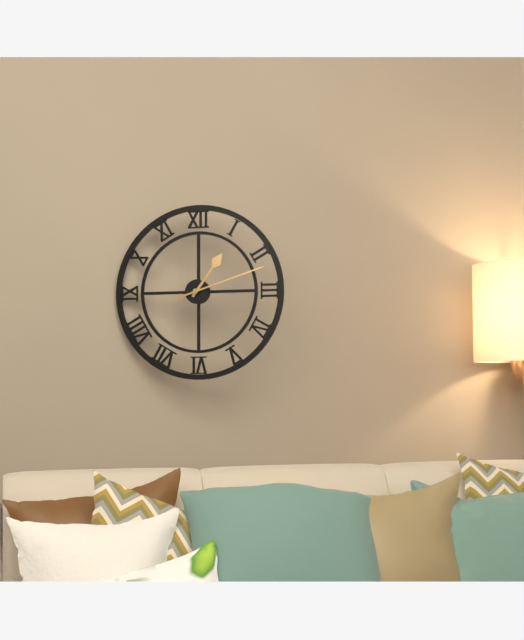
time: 1:12
